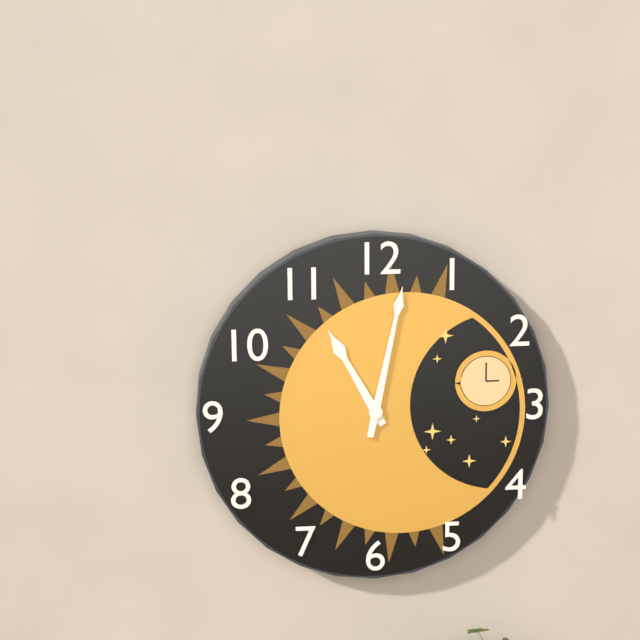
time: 11:02
